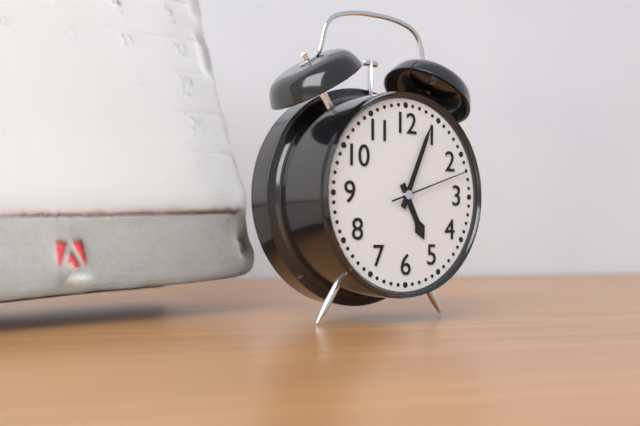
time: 5:04:12
